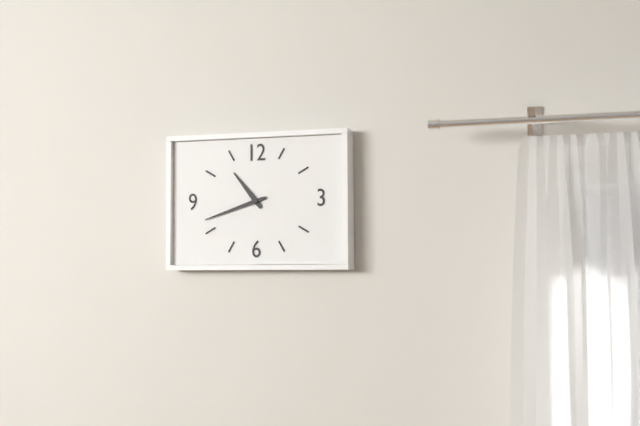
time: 10:42
